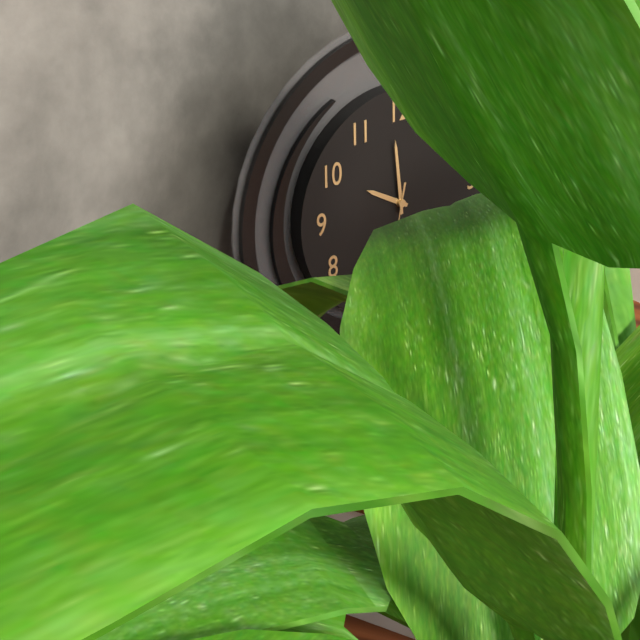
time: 9:59
